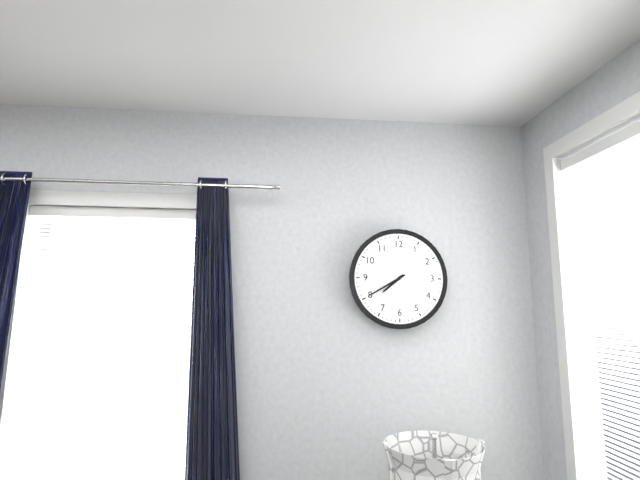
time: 7:40
